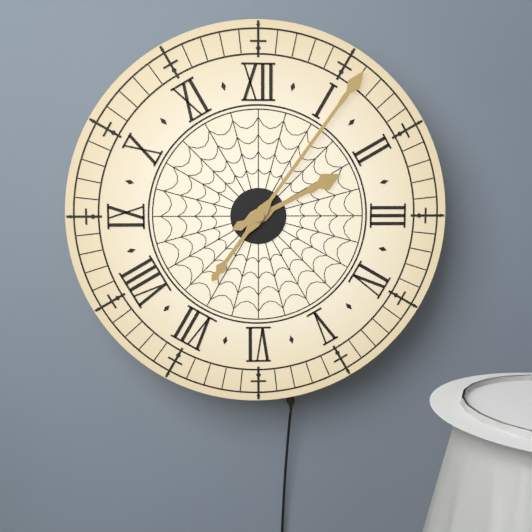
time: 2:06
